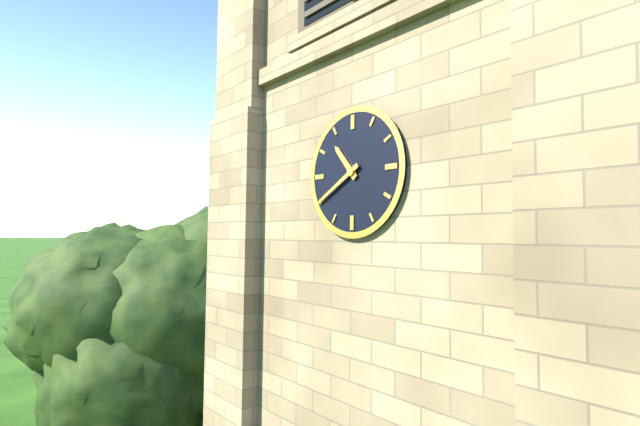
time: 10:40
